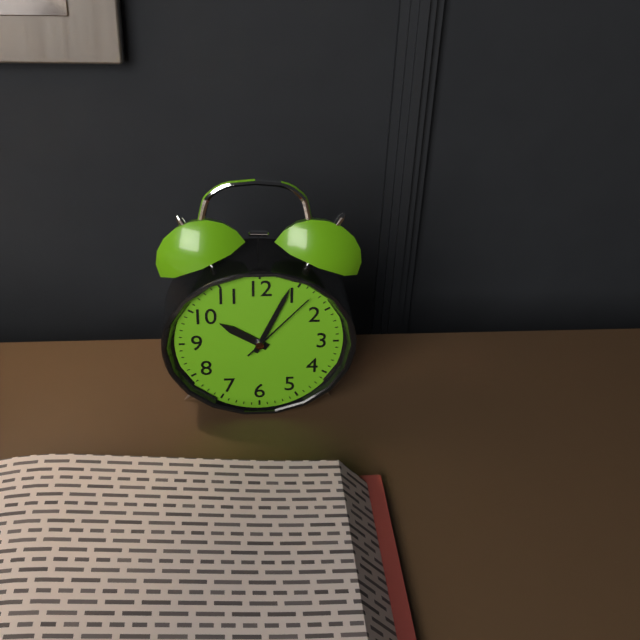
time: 10:04:07
